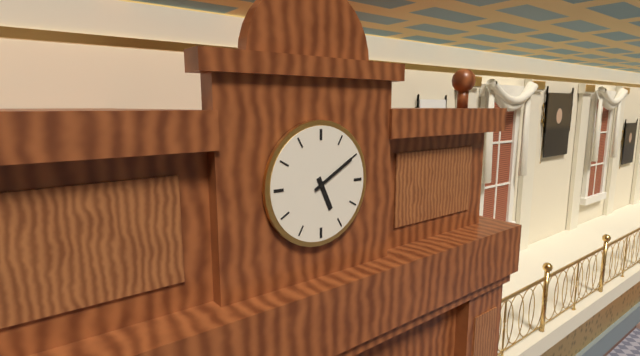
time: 5:10
